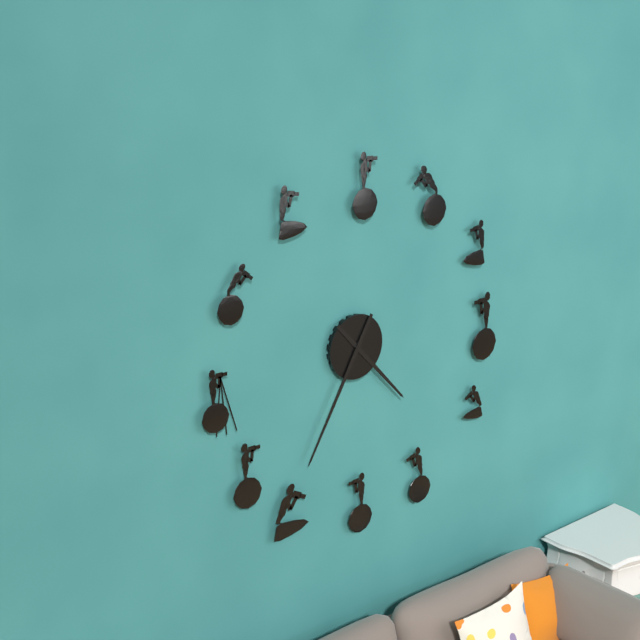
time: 4:35
